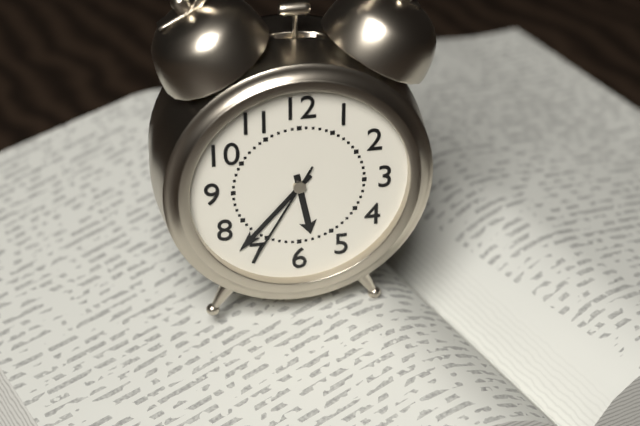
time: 5:37:35
